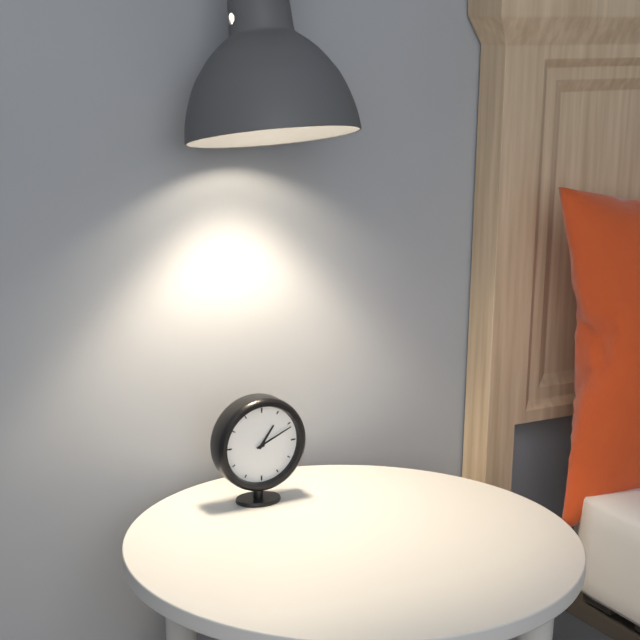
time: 1:11
